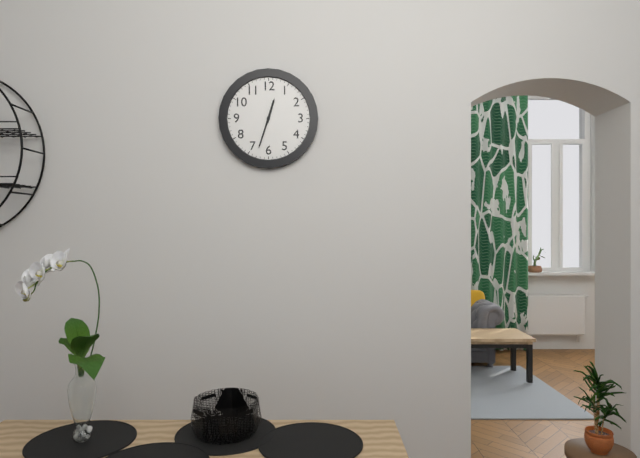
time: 12:33
